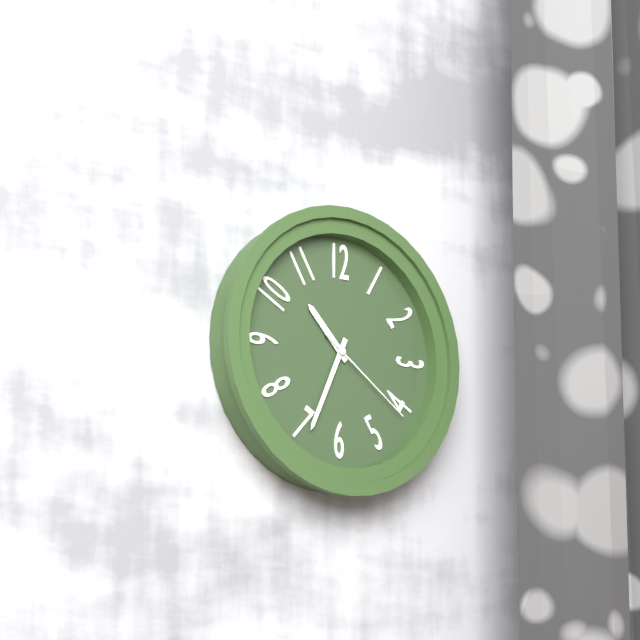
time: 10:34:21
